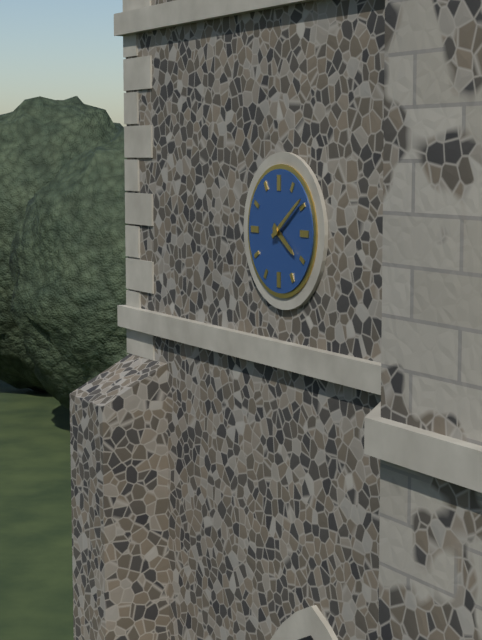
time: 4:09
